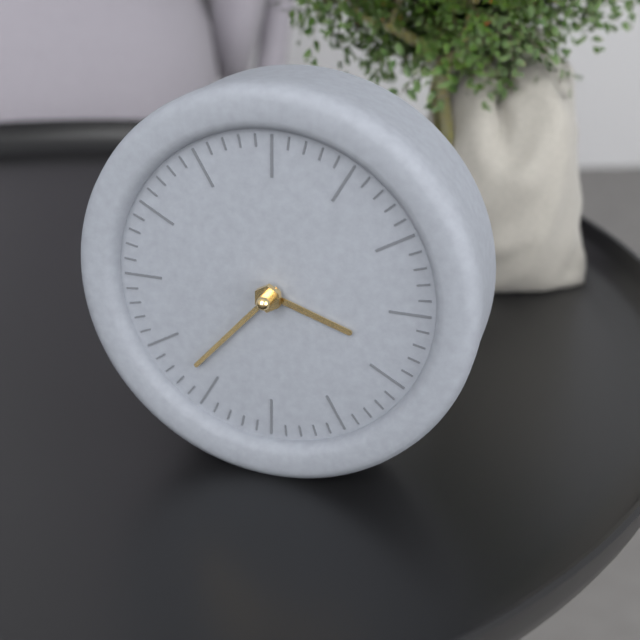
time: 3:37
